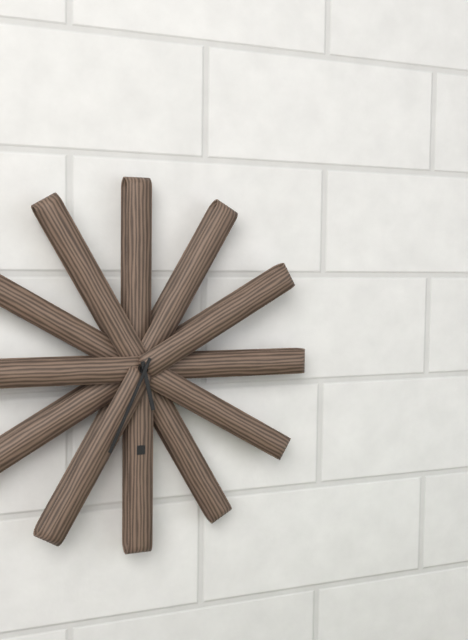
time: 5:34
